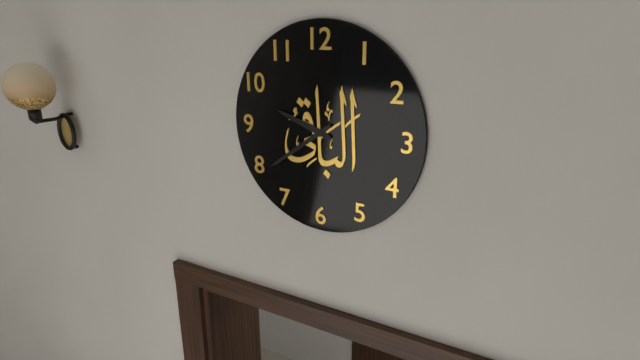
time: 9:39
